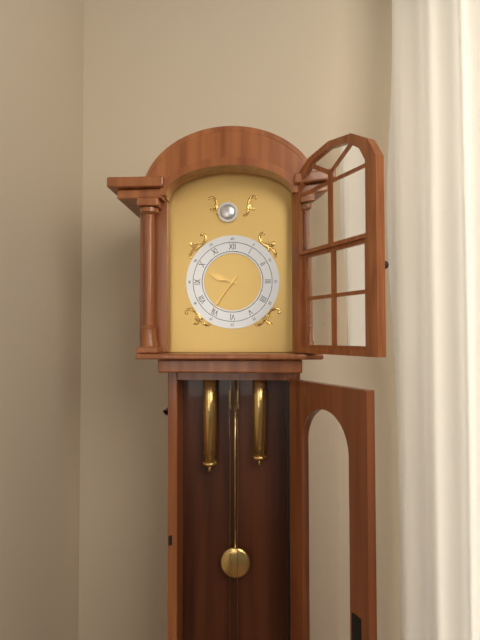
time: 9:36
